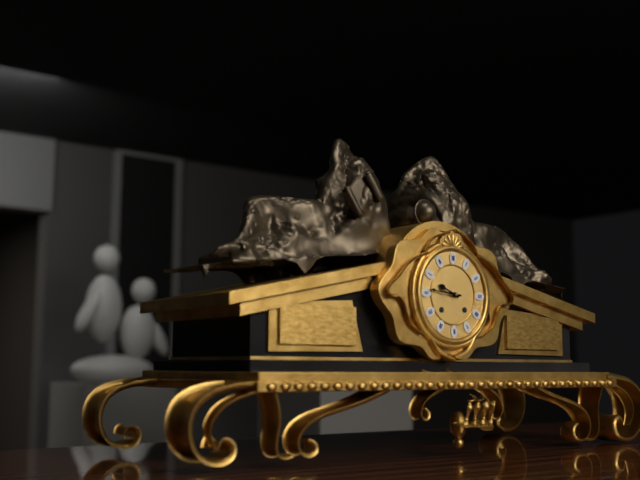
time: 9:46
